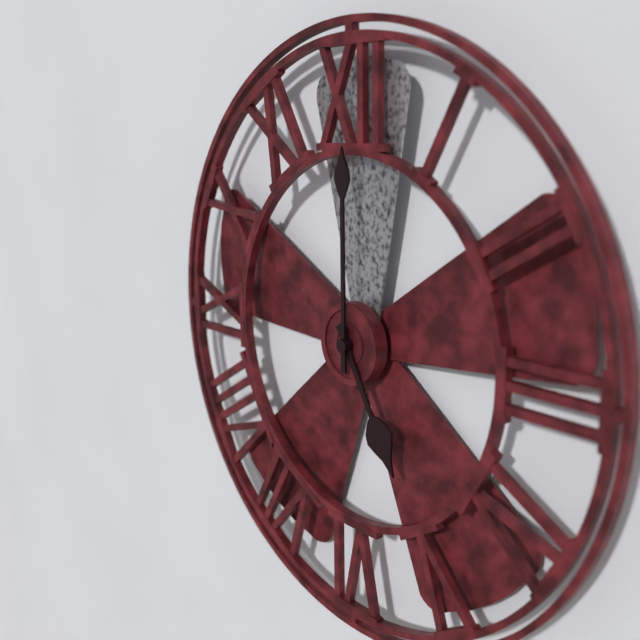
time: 5:00
